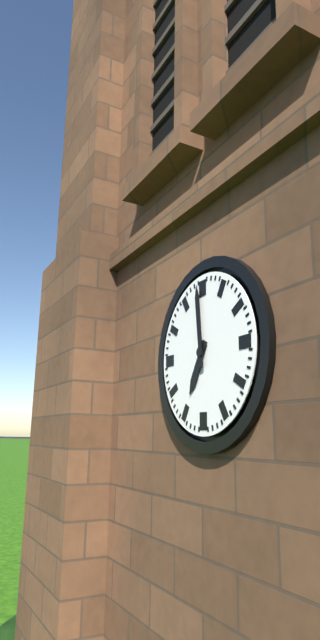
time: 6:59
